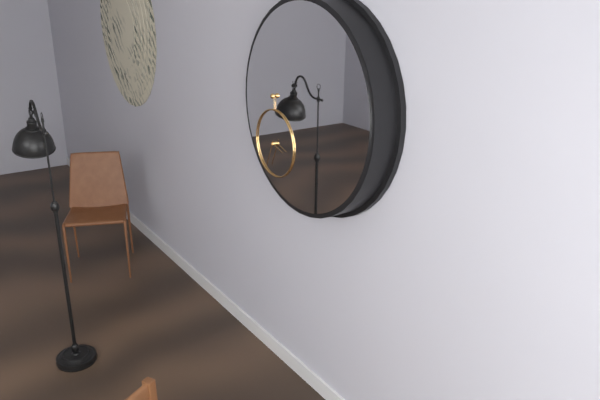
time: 3:34
